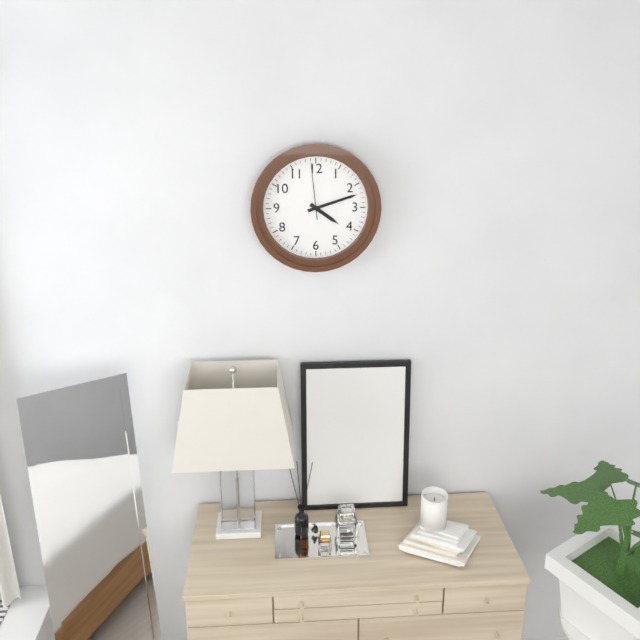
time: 4:12:59
